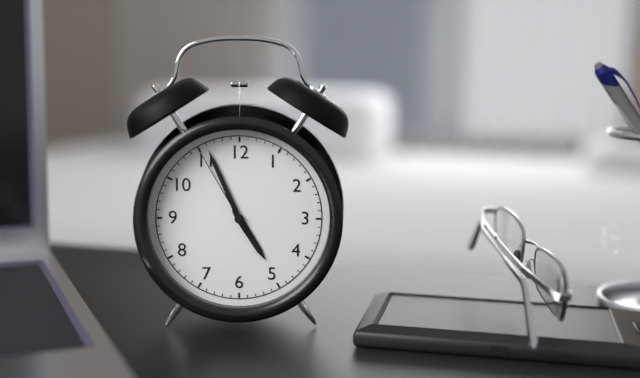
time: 4:56:55
